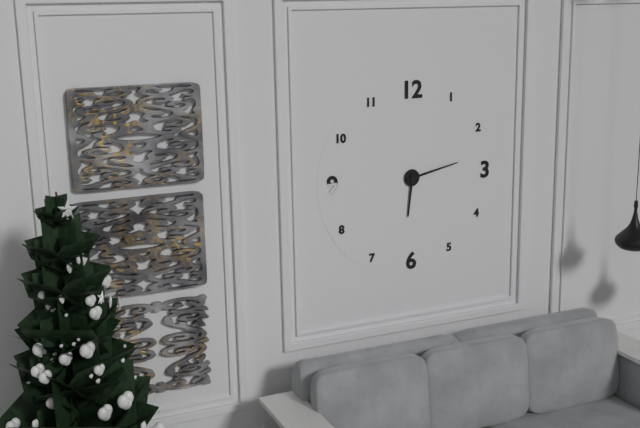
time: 6:13
